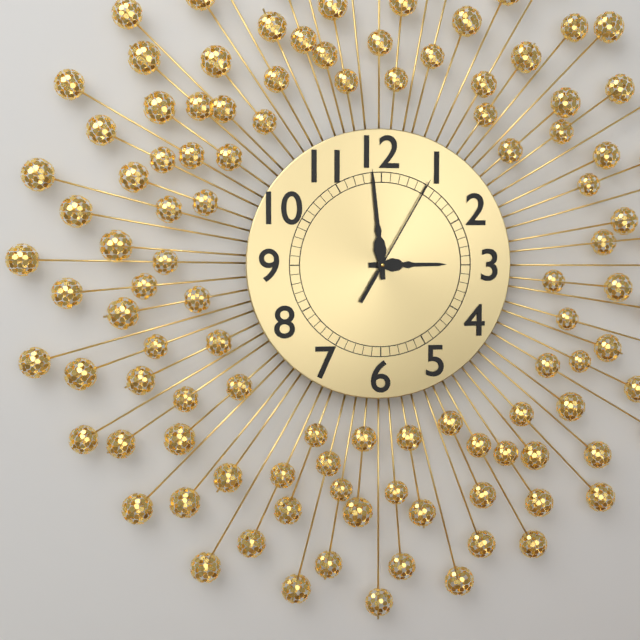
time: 2:59:05
